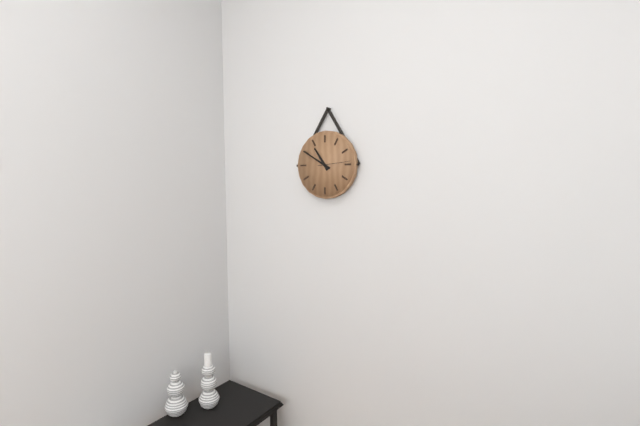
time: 10:50
